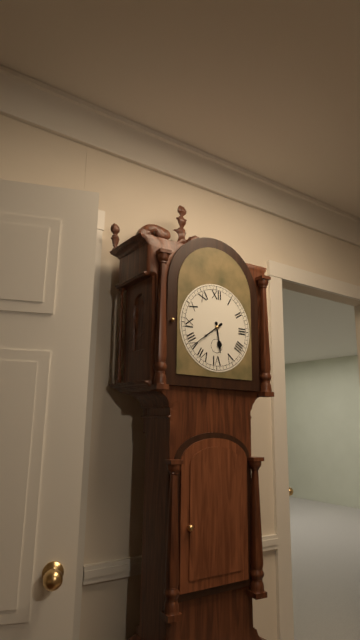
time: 5:39
